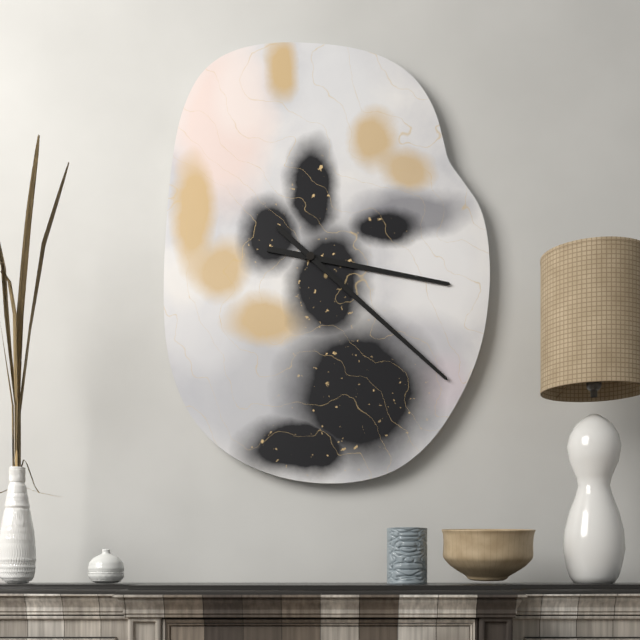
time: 3:22
